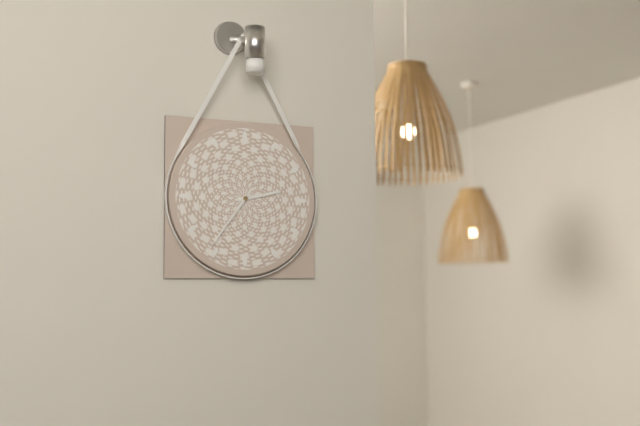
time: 2:36
